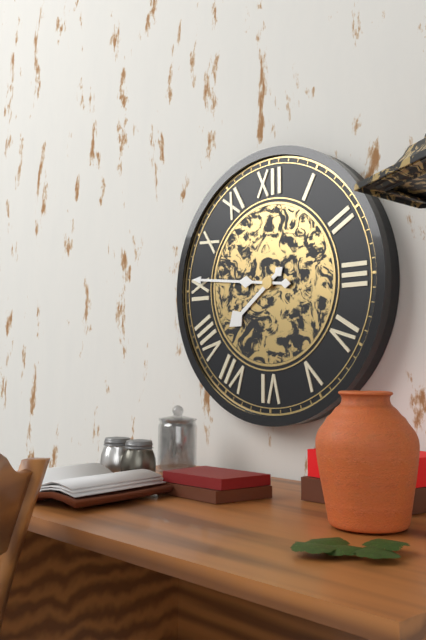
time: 7:46
